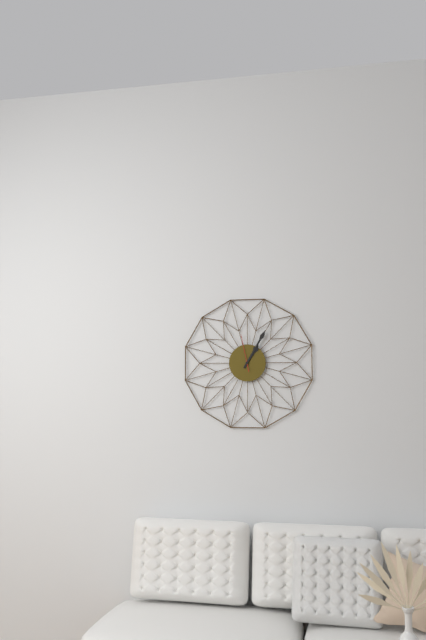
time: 1:05
